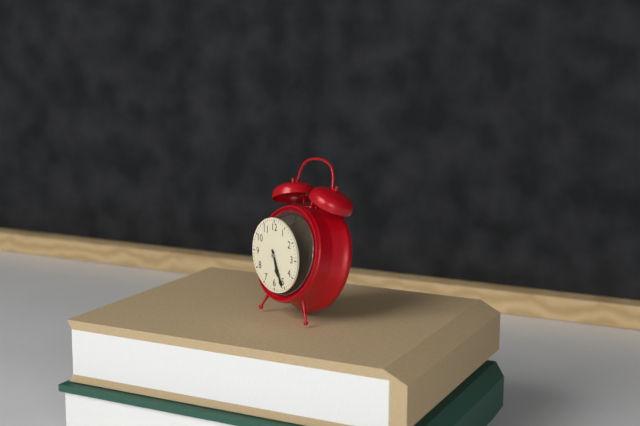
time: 5:26
